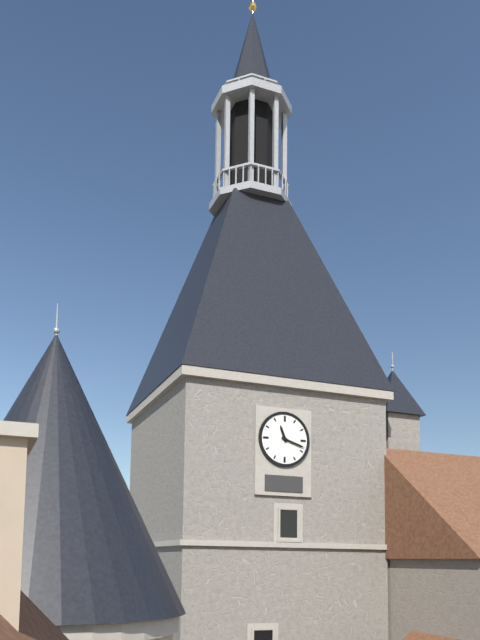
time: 11:18
